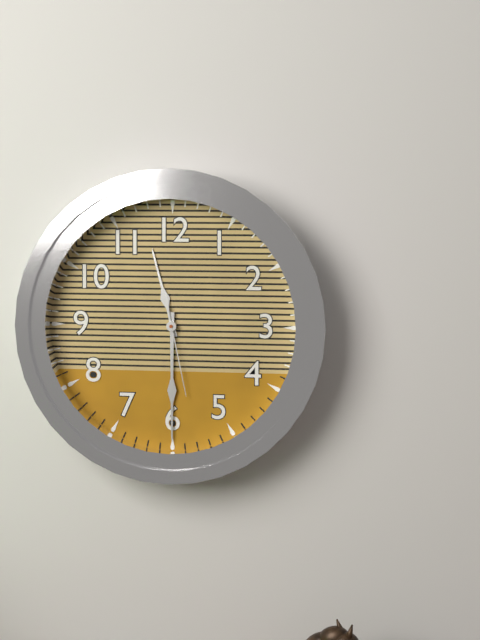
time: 11:30:28
